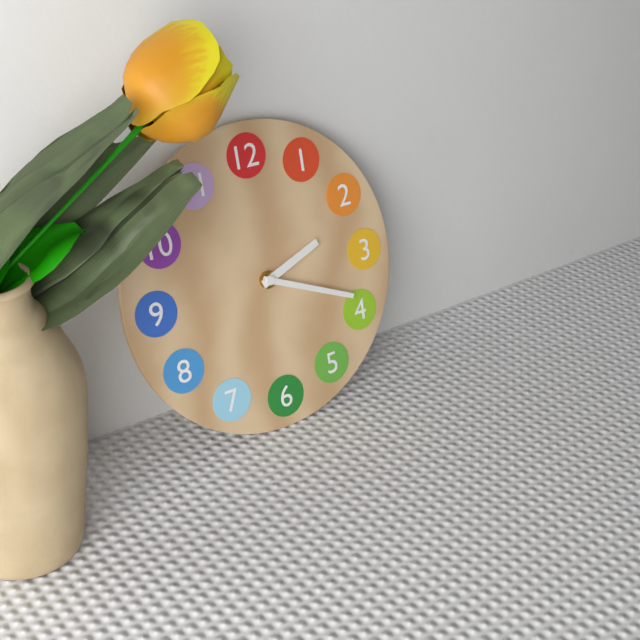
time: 2:19
